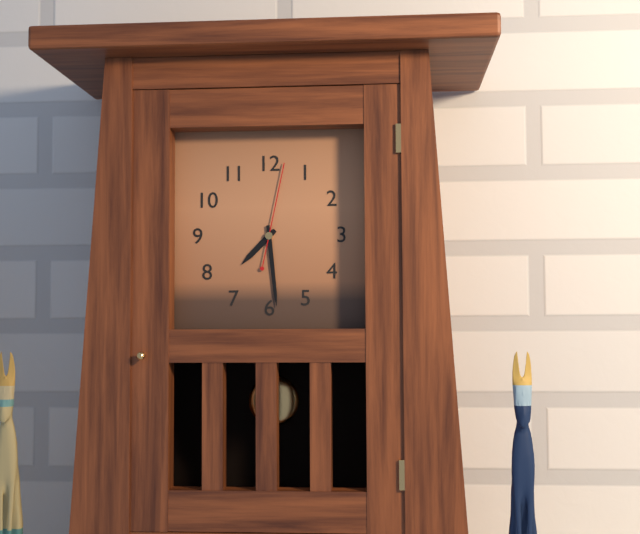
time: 7:29:02
